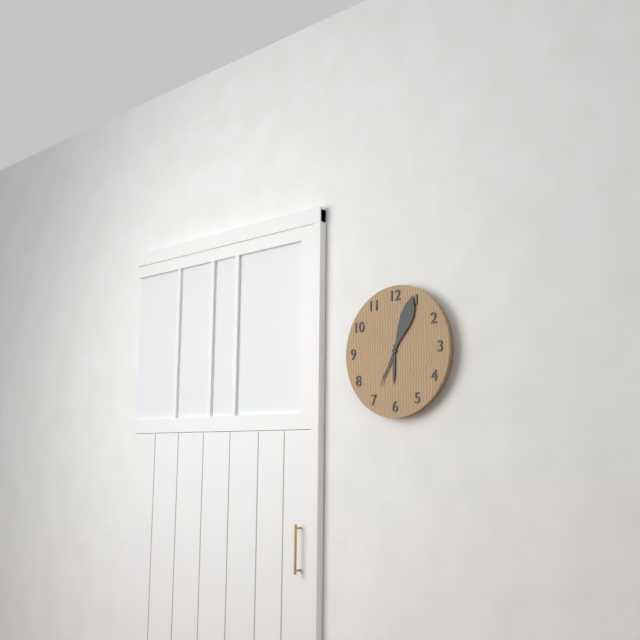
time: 6:04
